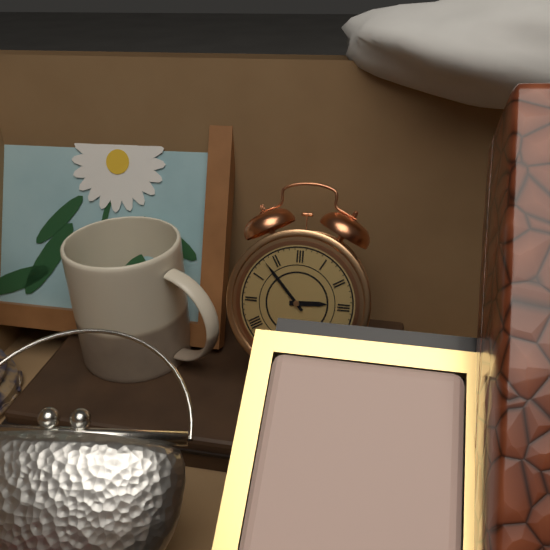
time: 2:53
